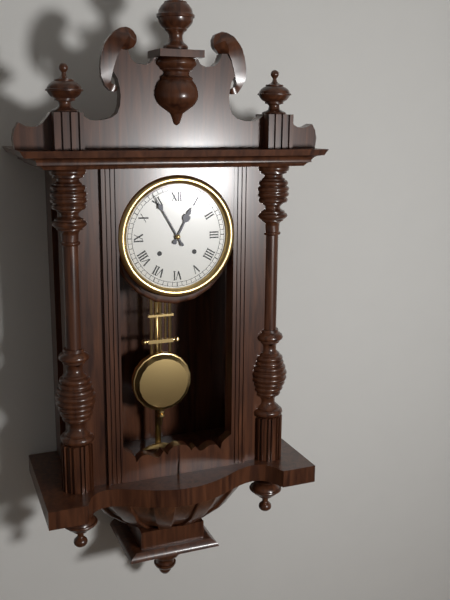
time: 12:55
